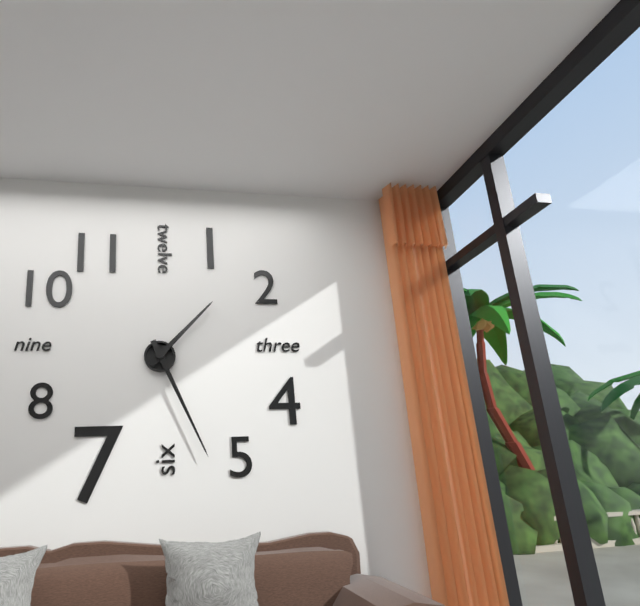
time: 1:26
